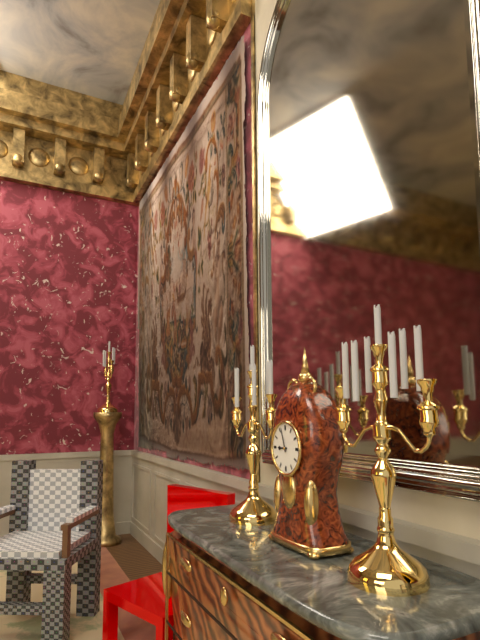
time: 8:57
